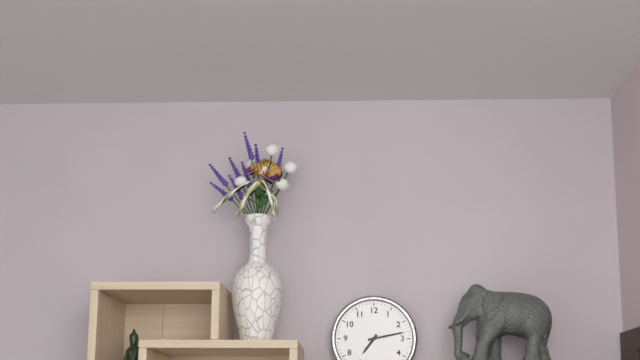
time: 7:13
